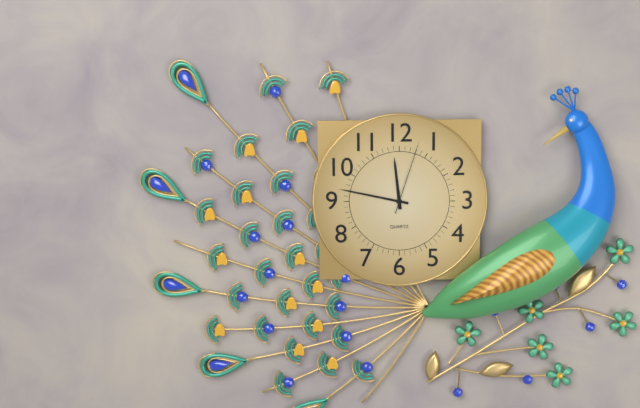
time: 11:47:03
